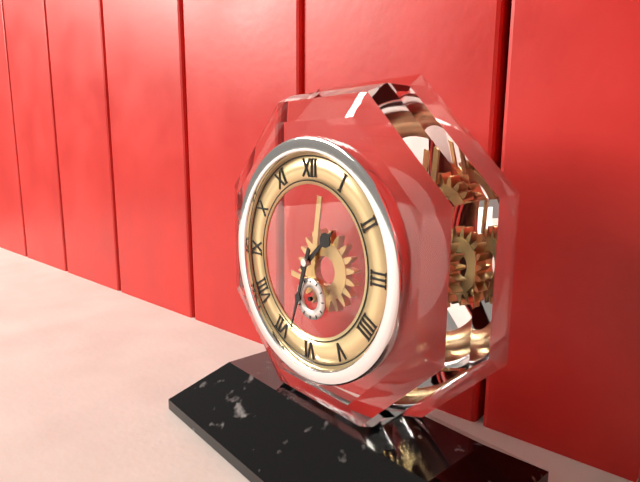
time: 1:33
